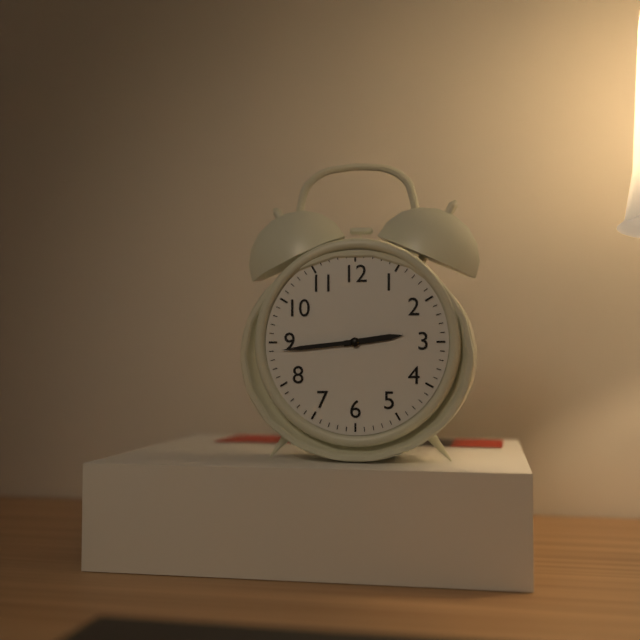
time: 2:44
